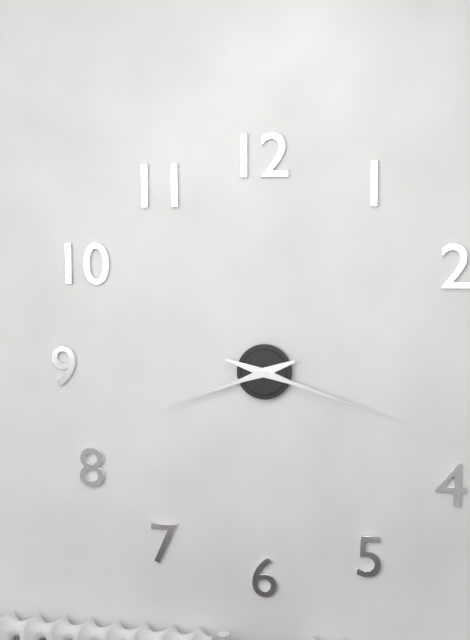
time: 8:18
